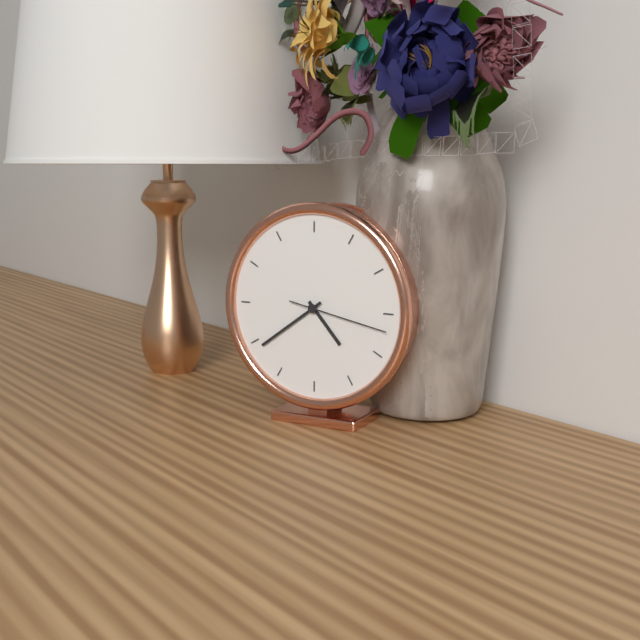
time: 4:39:17
